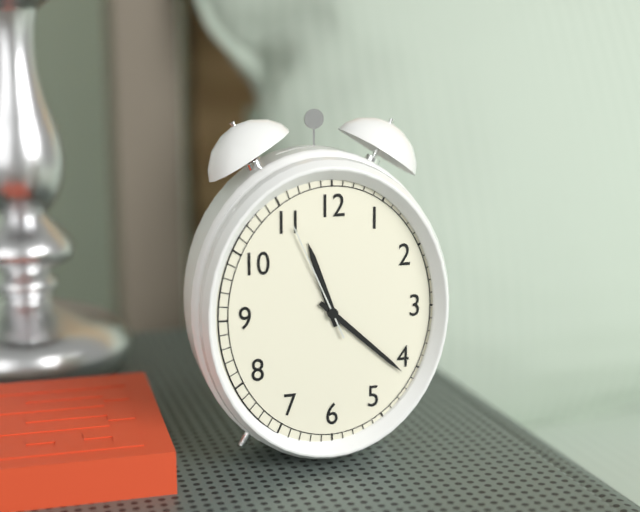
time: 11:22:56
